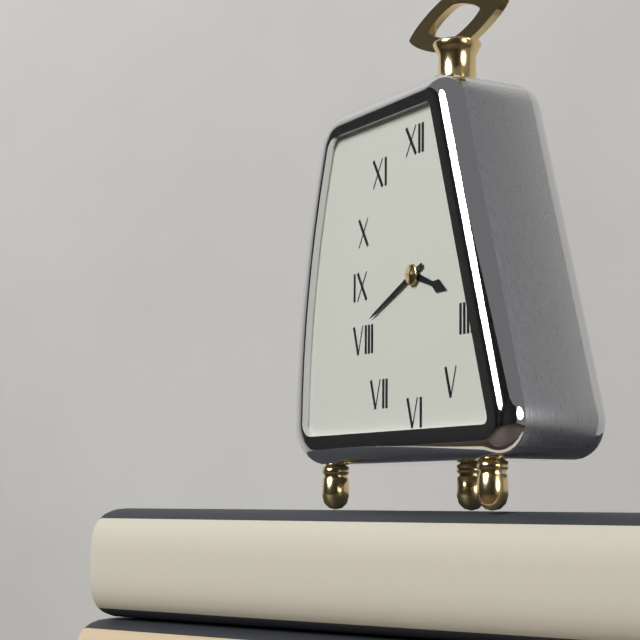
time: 3:41
